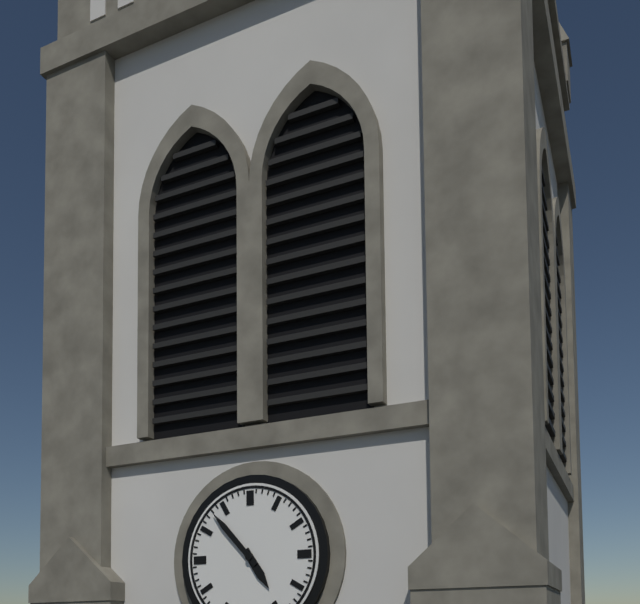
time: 4:53
